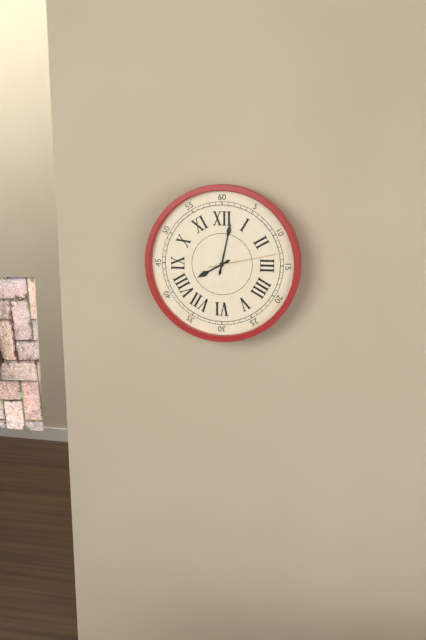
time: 8:02:13
